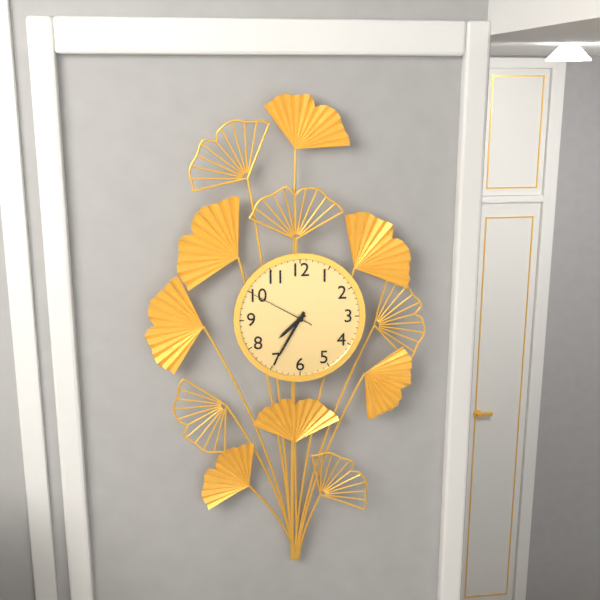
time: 7:35:50
